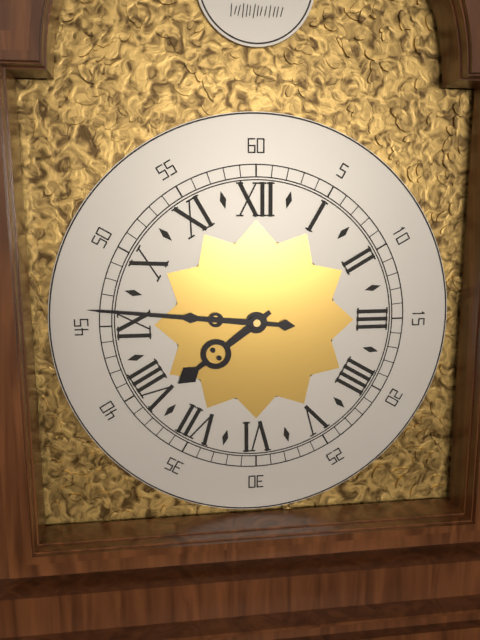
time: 7:46
